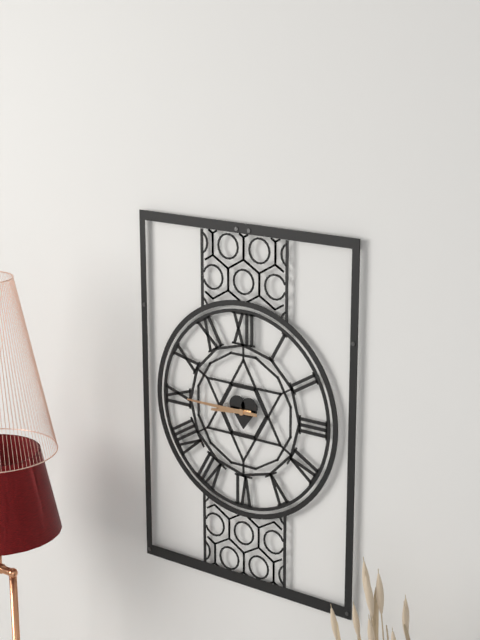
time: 8:45
